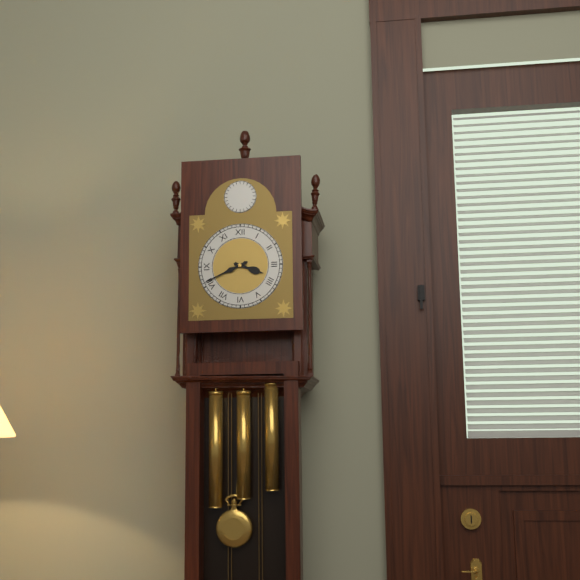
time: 3:41
